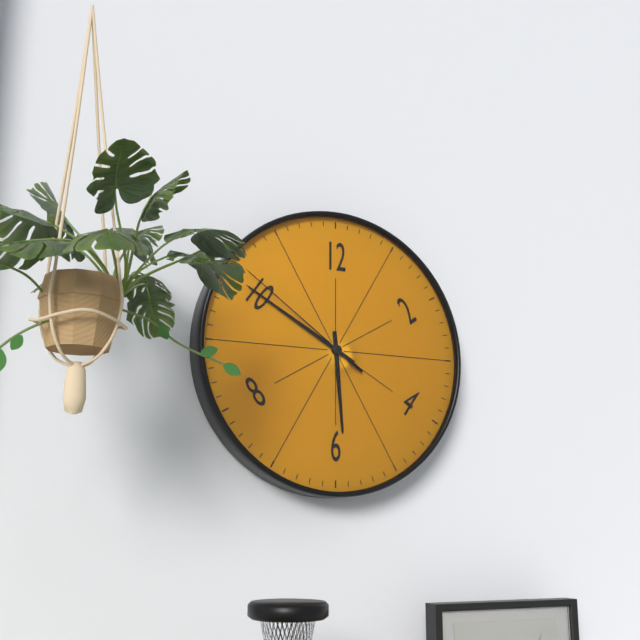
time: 5:50:51
